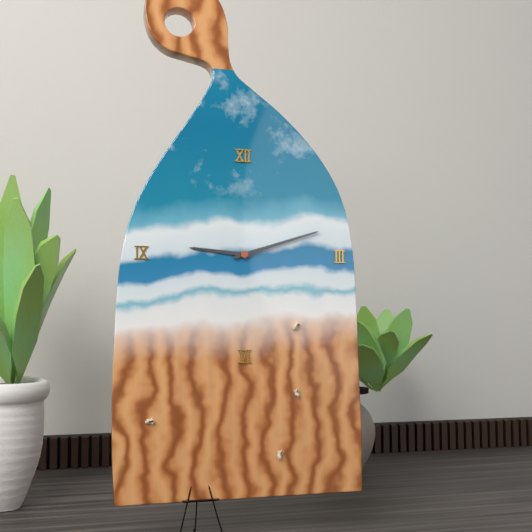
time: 9:12
